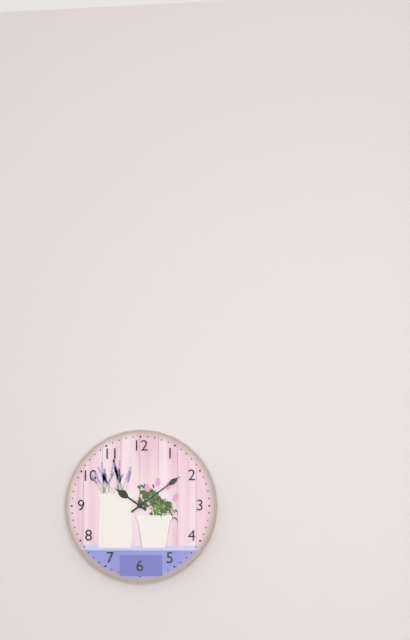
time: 10:09
